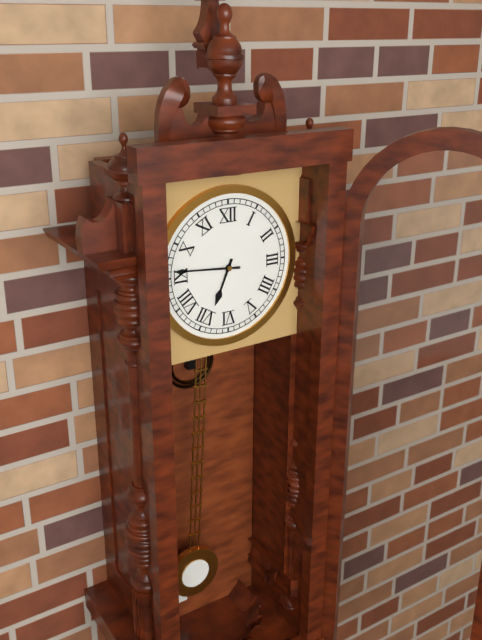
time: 6:46
